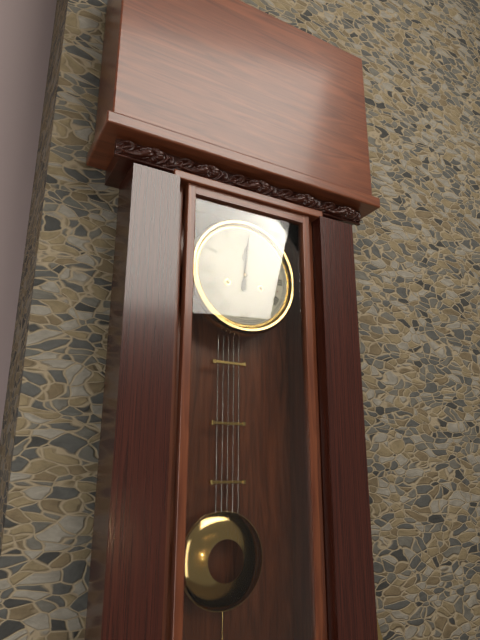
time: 12:01
